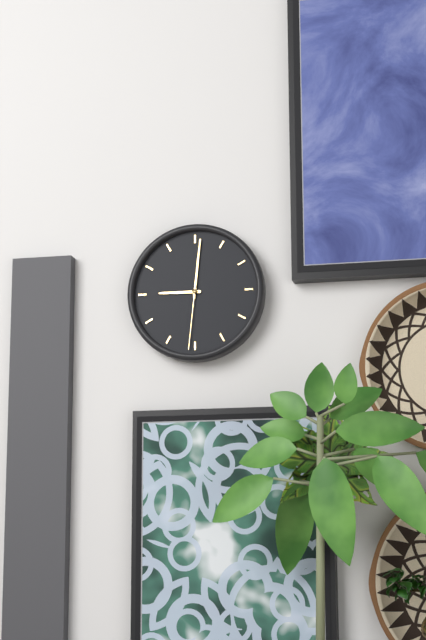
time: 9:01:31
